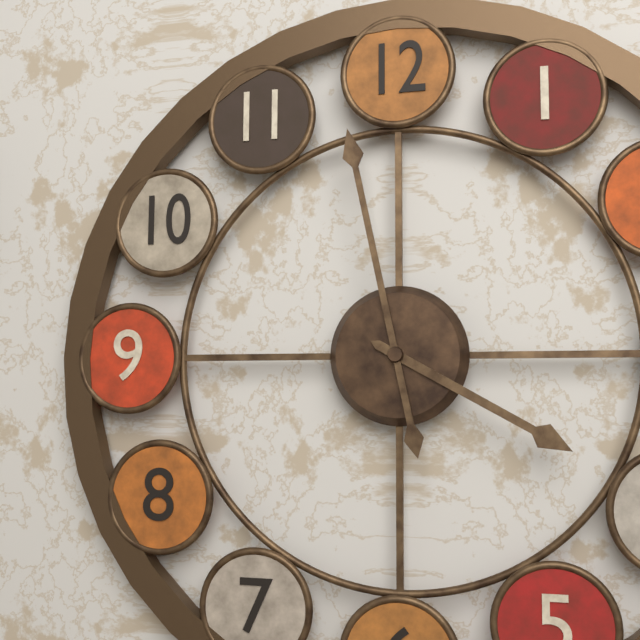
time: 3:58
